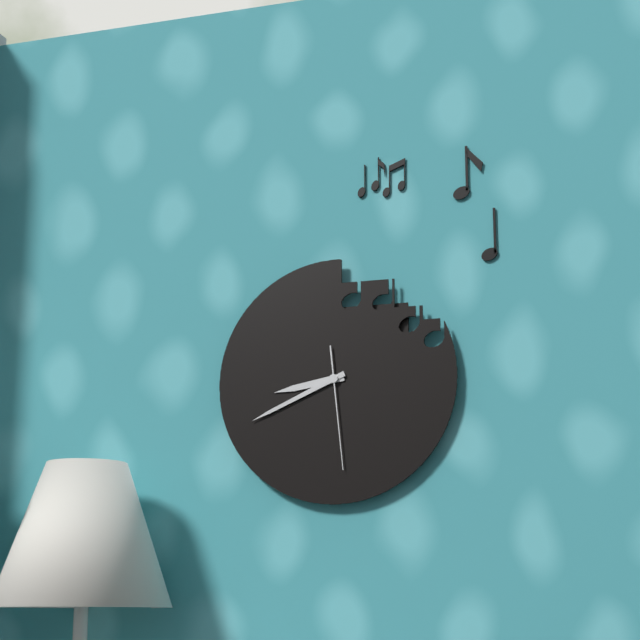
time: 8:41:29
